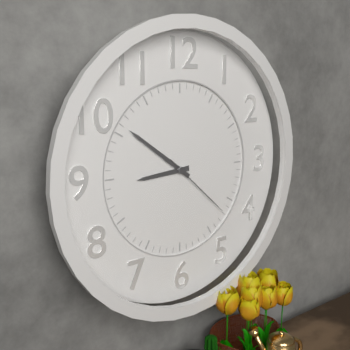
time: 8:51:22
